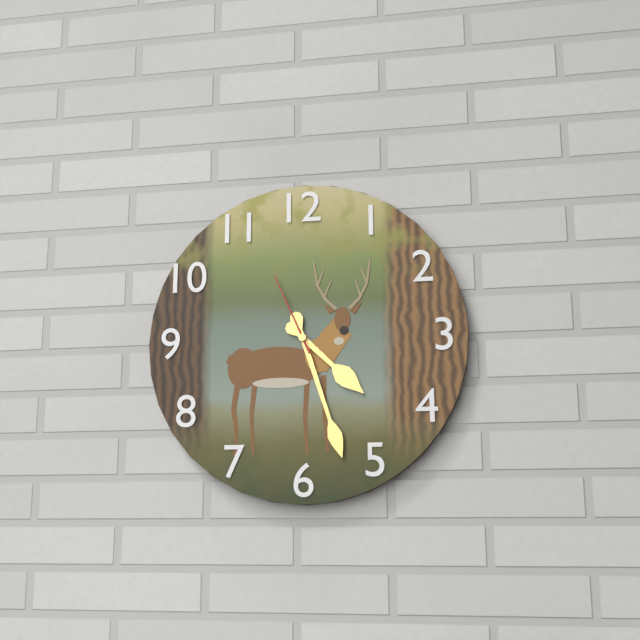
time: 4:27:56
